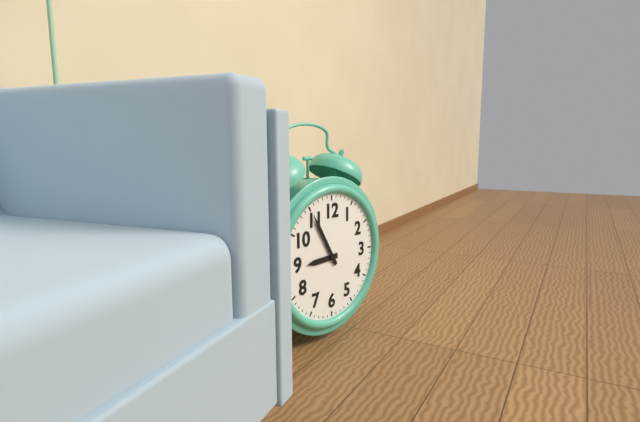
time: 8:55
